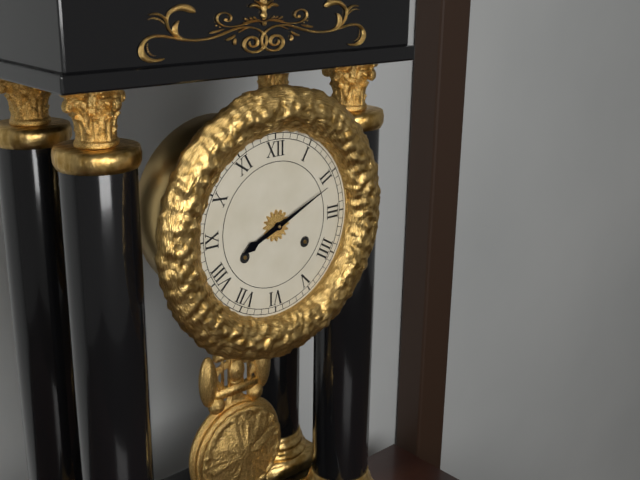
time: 8:11
